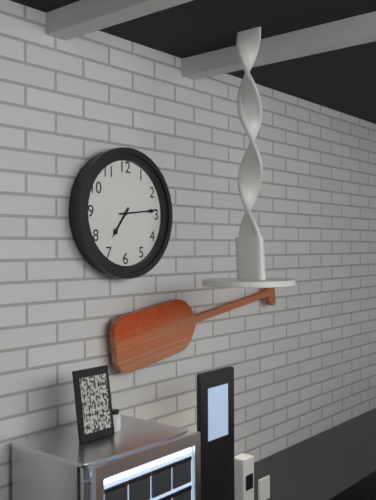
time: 7:14
